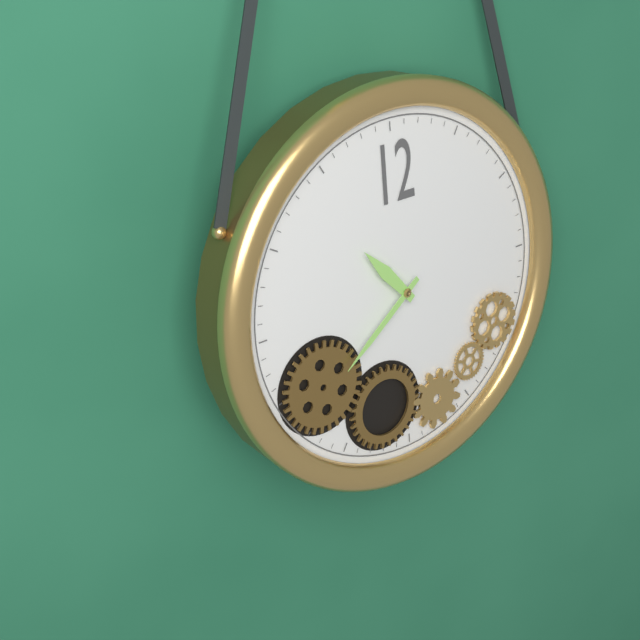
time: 10:39
